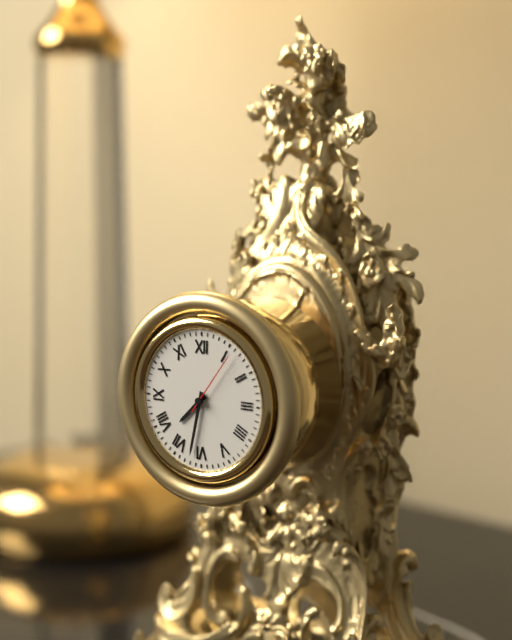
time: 7:32:06
